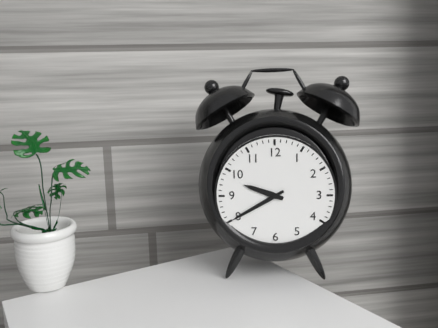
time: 9:40
